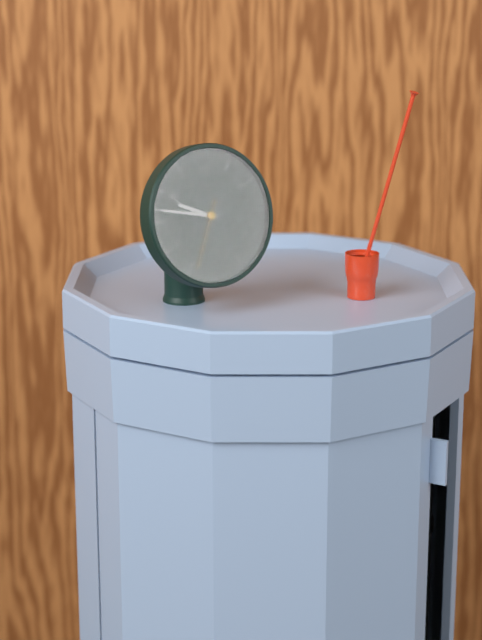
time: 9:47:34
